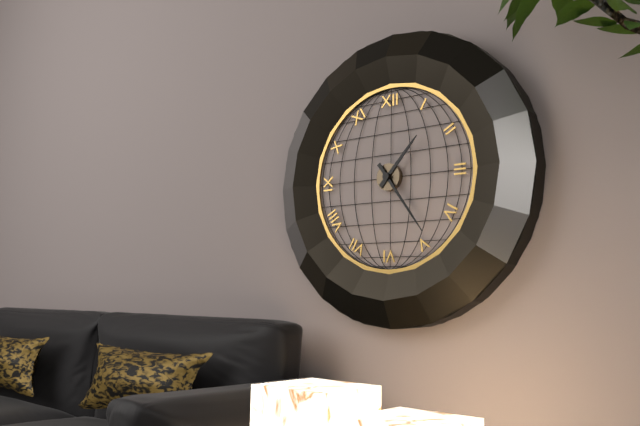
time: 1:24
